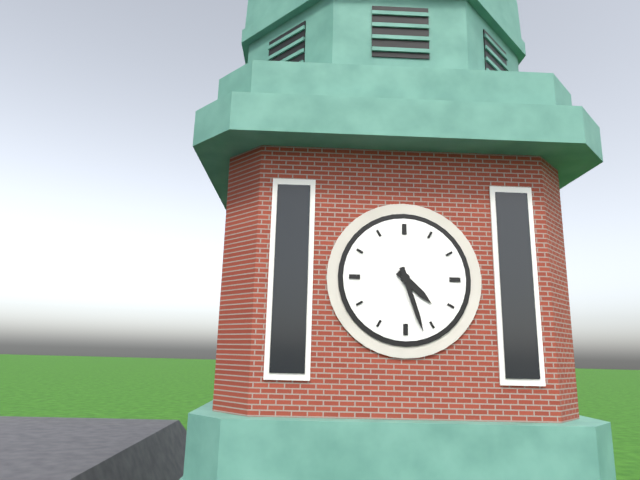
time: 4:27
